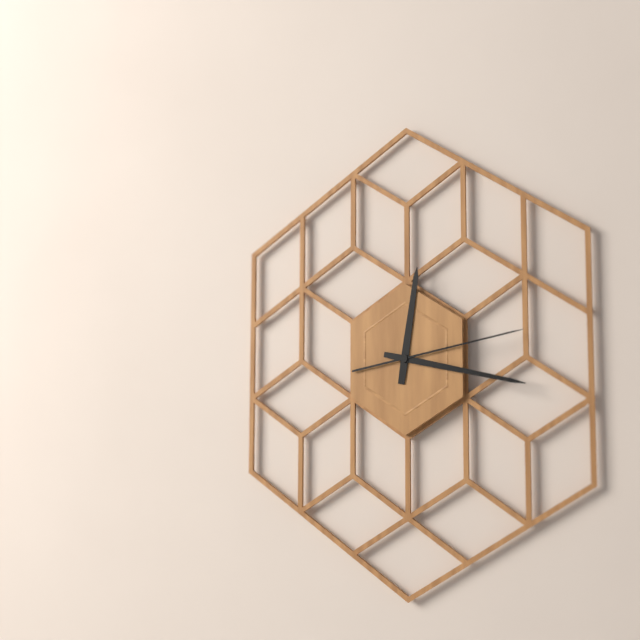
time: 12:17:13
